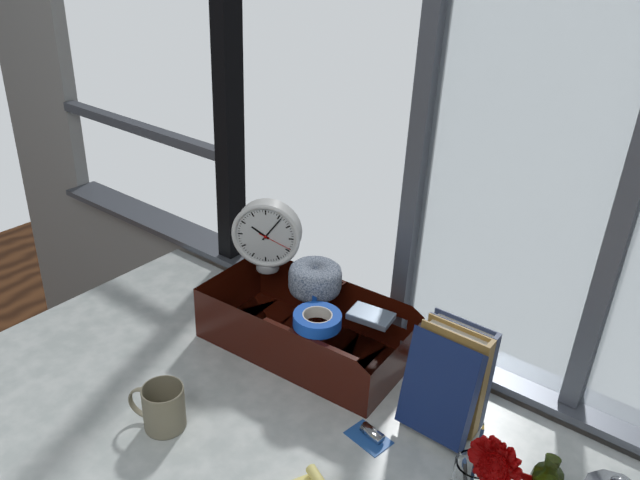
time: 10:06
